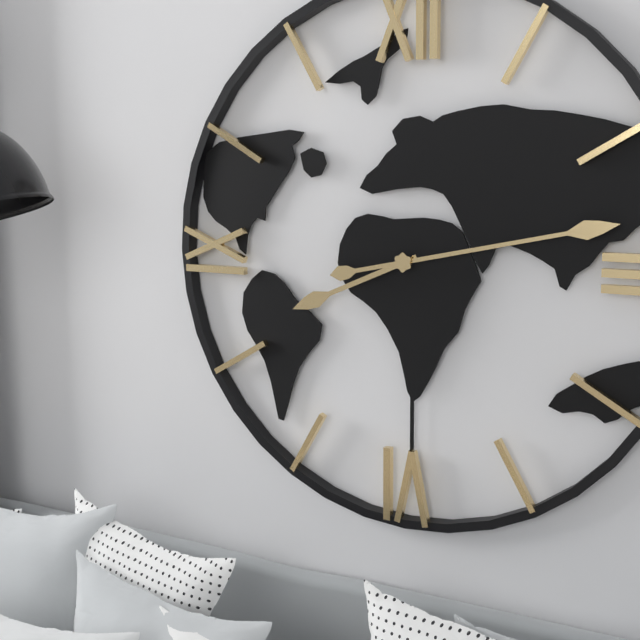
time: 8:13
